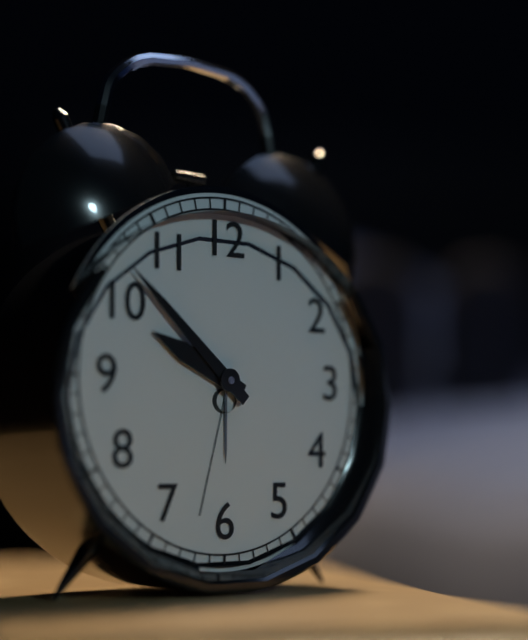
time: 9:52
